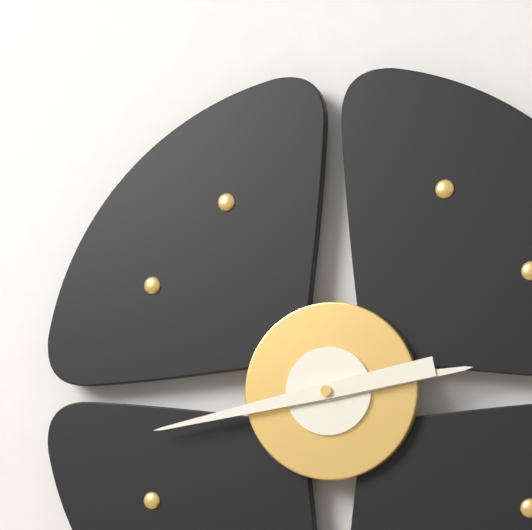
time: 2:43
